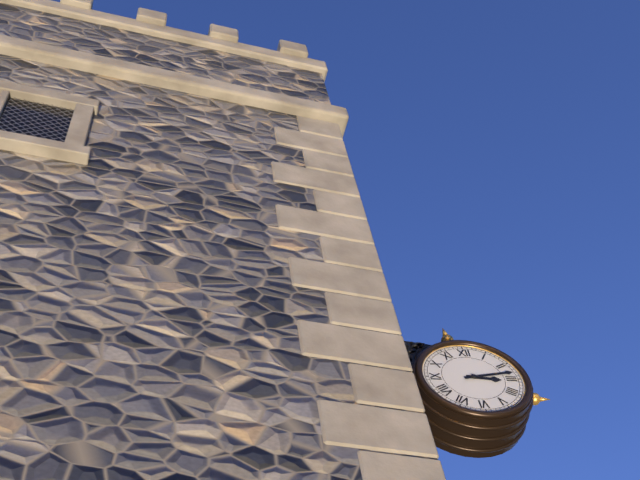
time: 3:13
